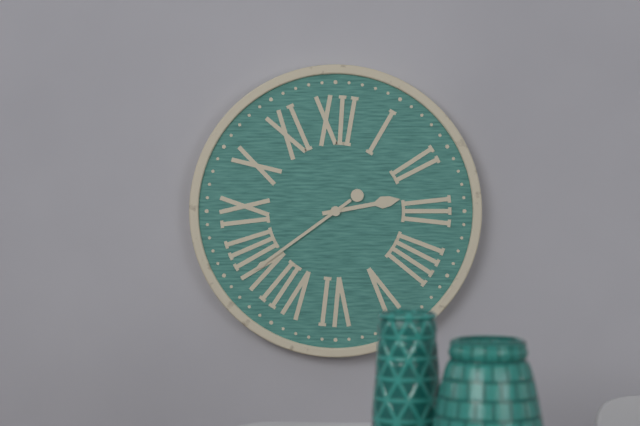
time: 2:39
